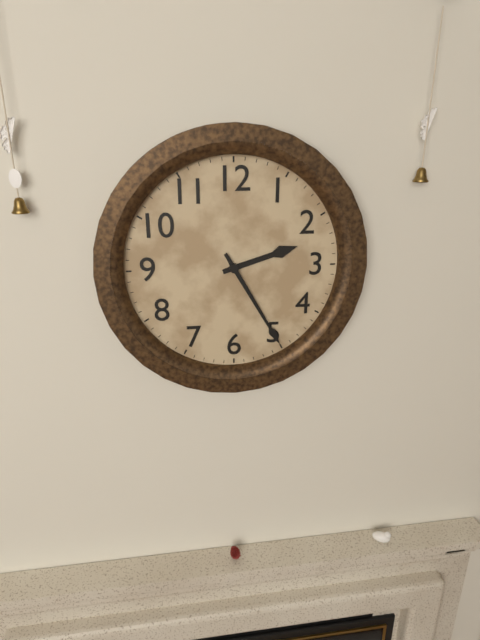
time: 2:25
